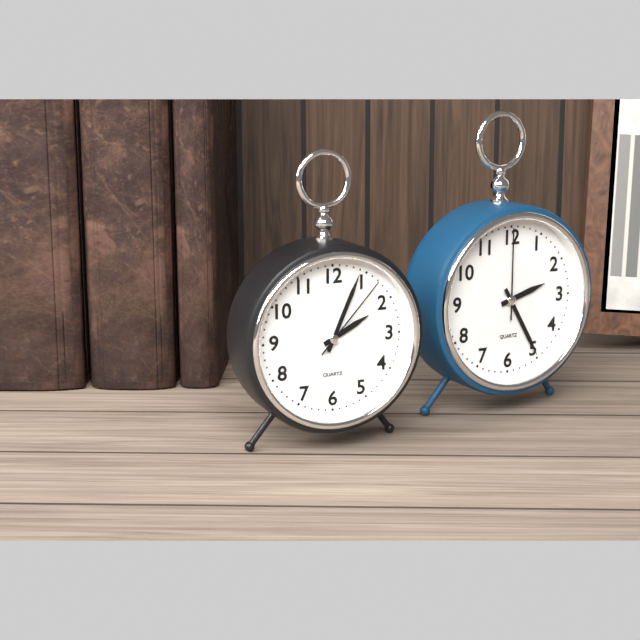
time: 2:04:07
